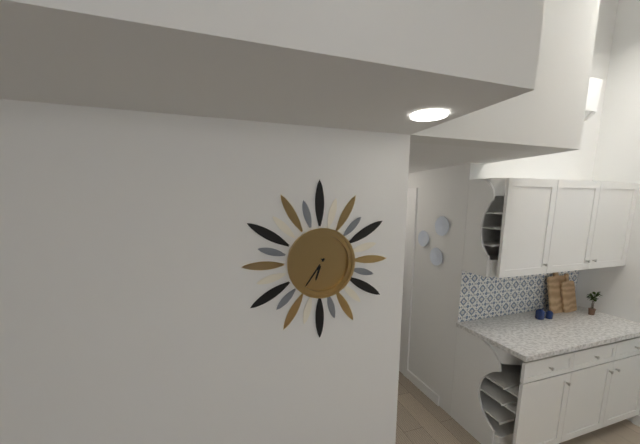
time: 6:36
